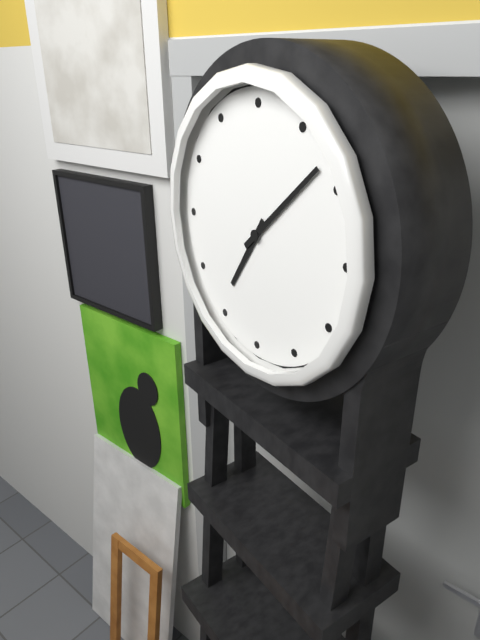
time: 7:08
